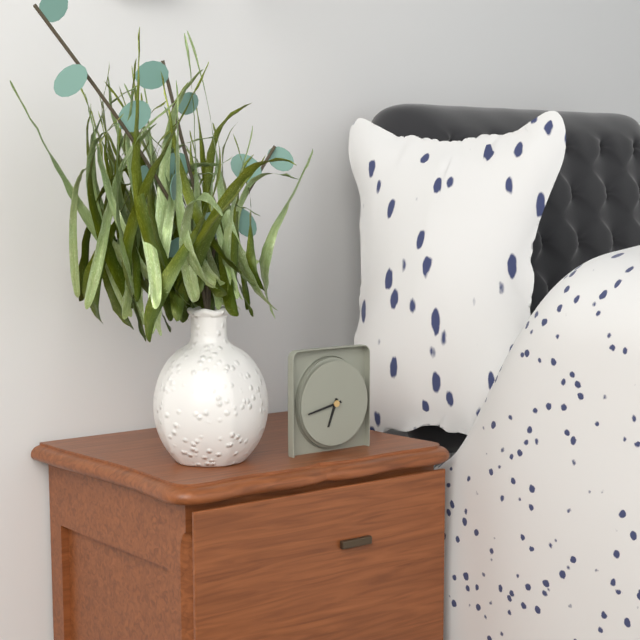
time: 6:43
